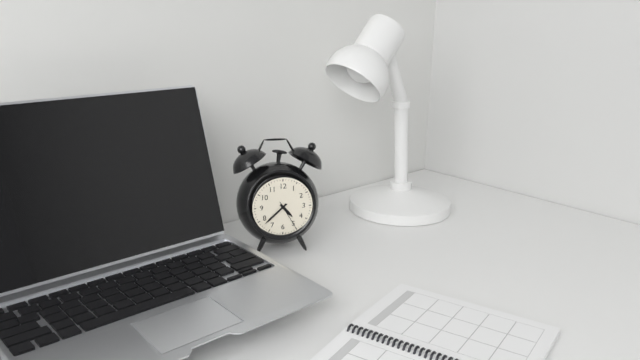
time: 4:38
